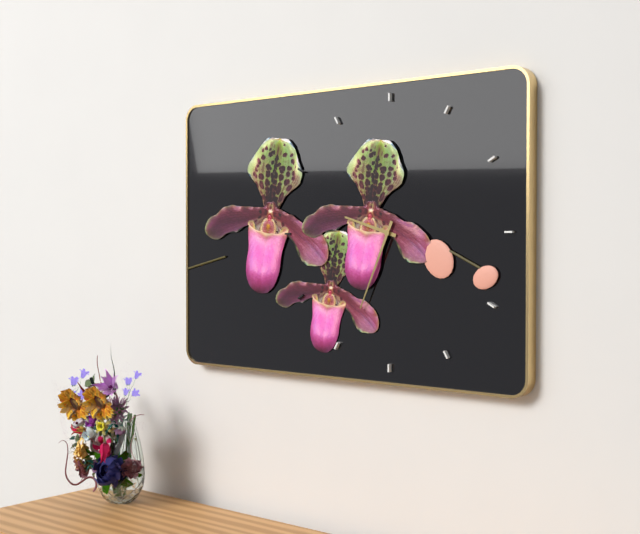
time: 9:34
